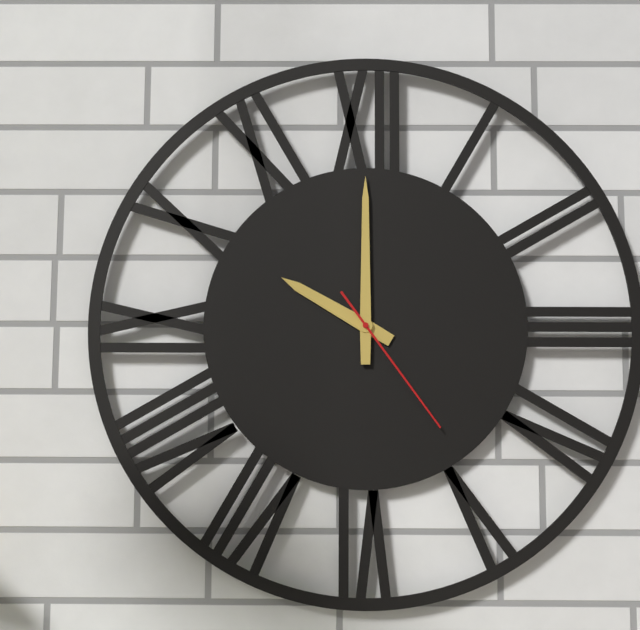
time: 10:00:24
